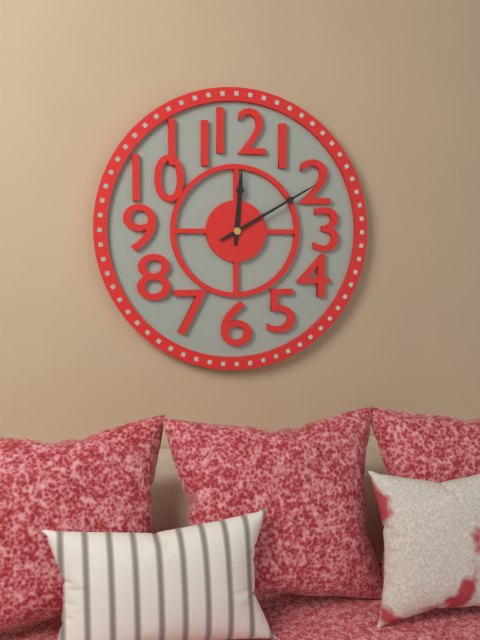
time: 12:10
